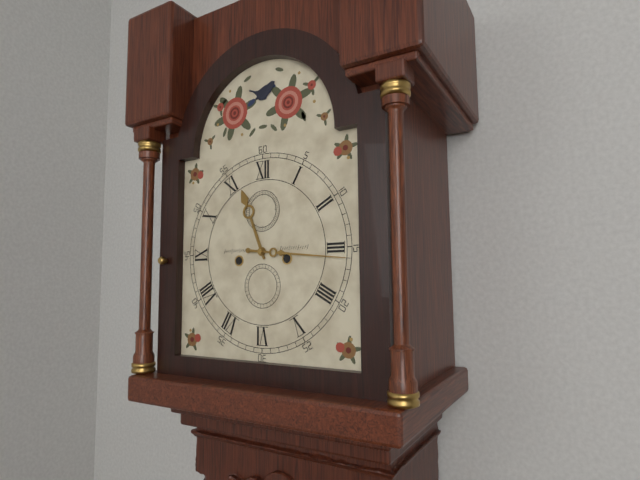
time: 11:16
